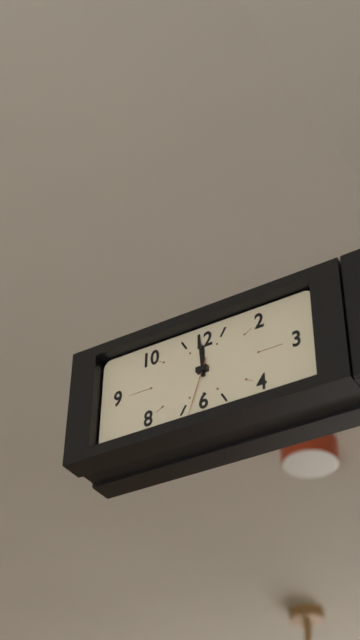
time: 11:59:33
